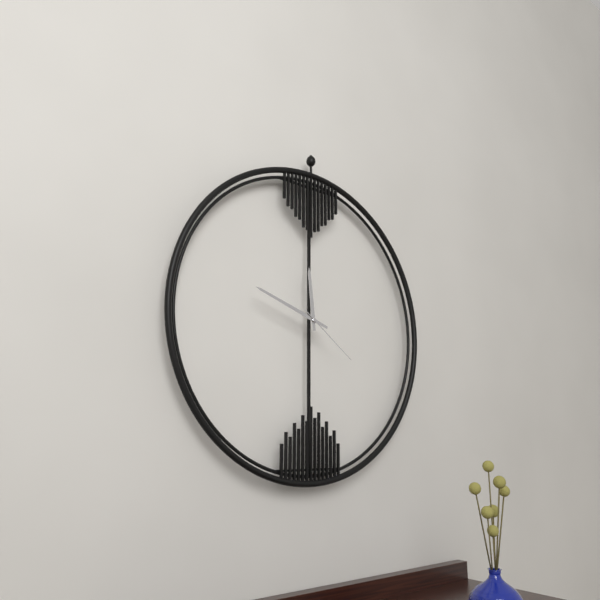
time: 11:48:21
